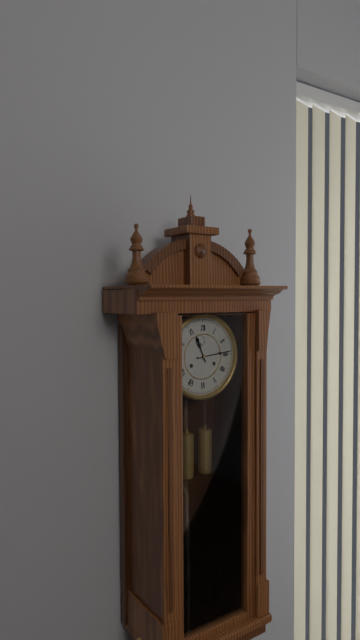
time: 11:14
